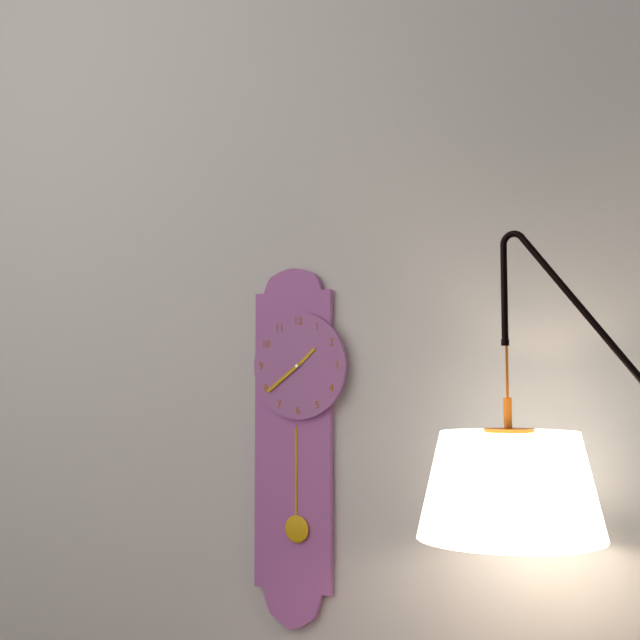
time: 1:39
